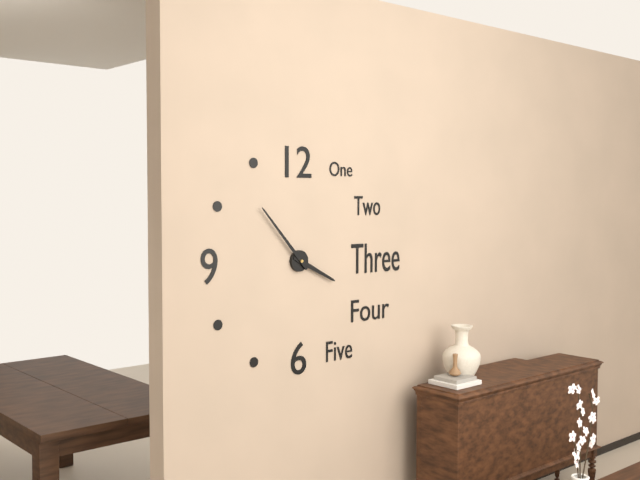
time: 3:53
